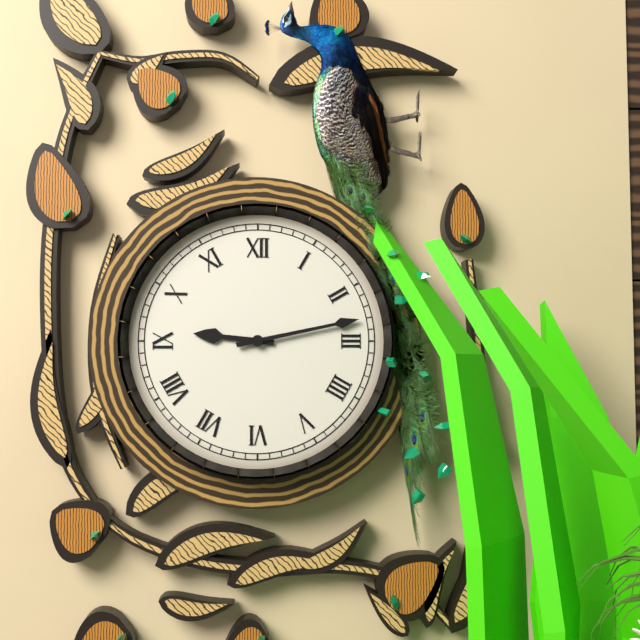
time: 9:13
